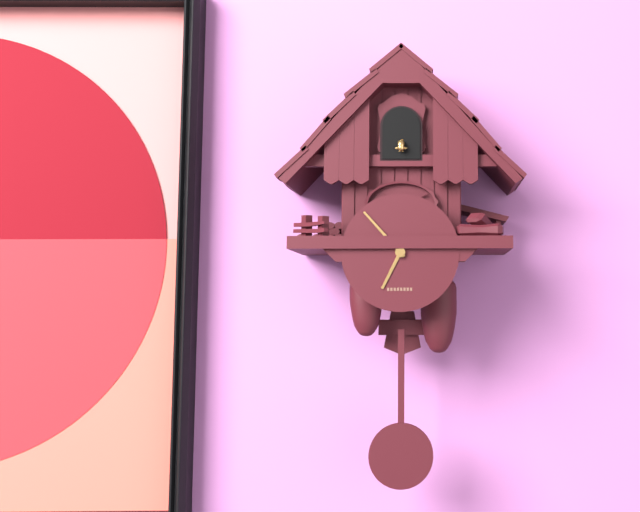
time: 6:53
